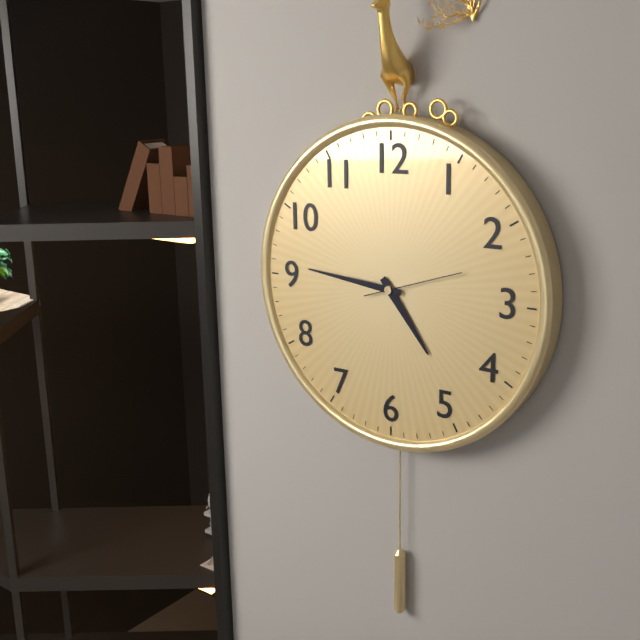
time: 4:46:12
